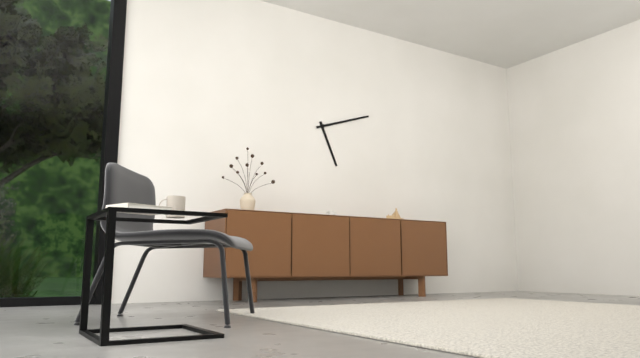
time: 5:12
